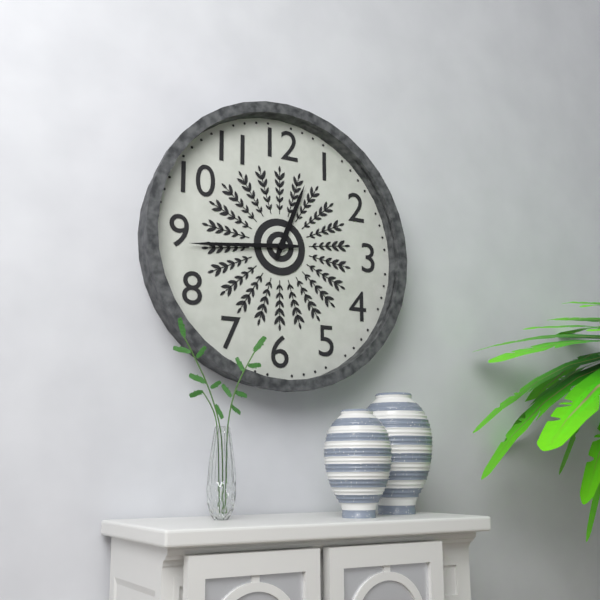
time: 12:44
